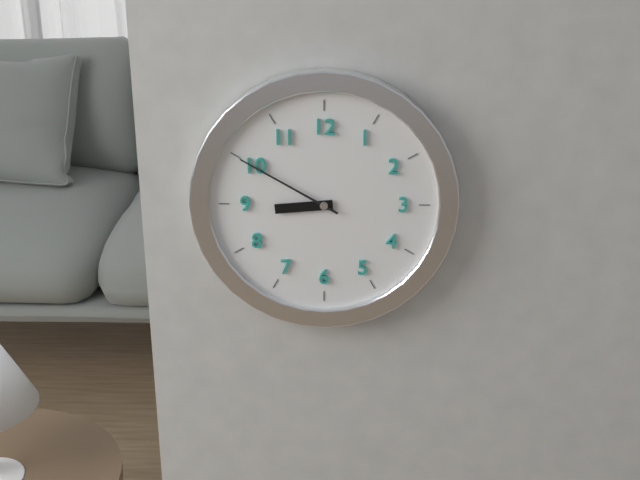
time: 8:50
